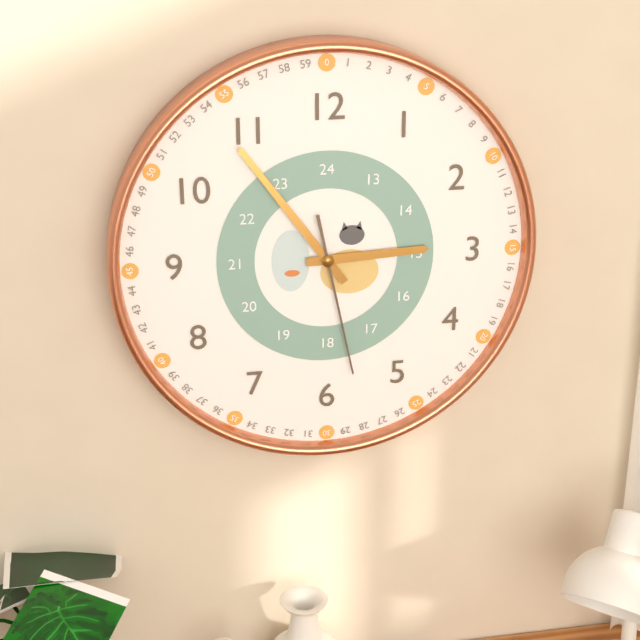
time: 2:54:28
